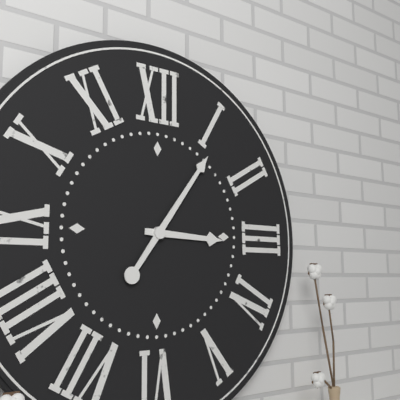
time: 3:06
